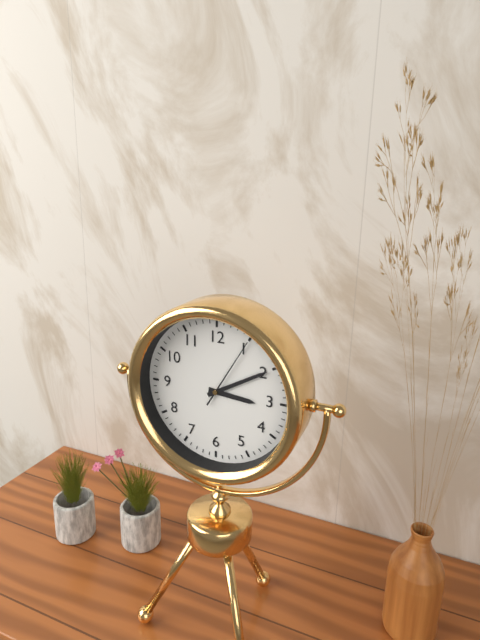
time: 3:10:05
